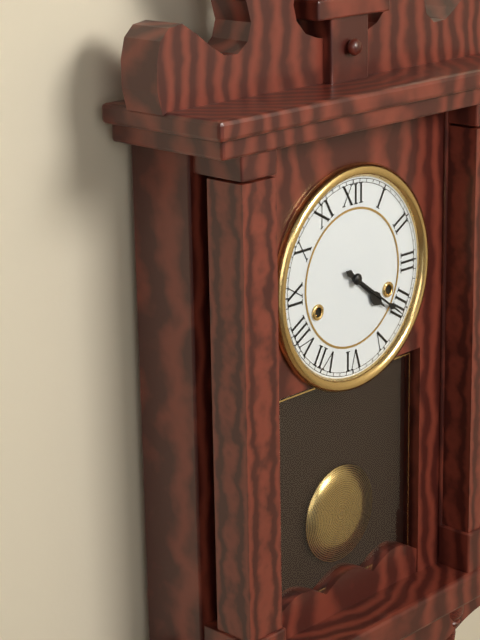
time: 4:21
